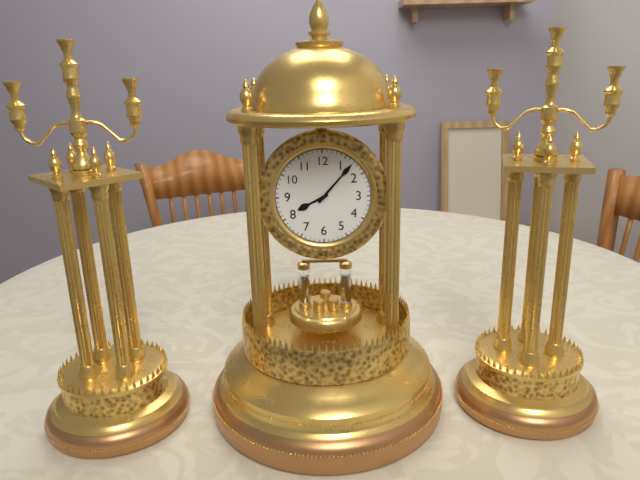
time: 8:07
